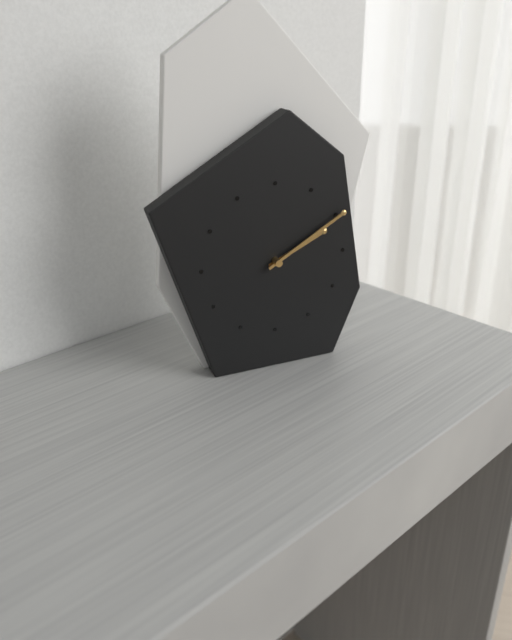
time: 2:10
